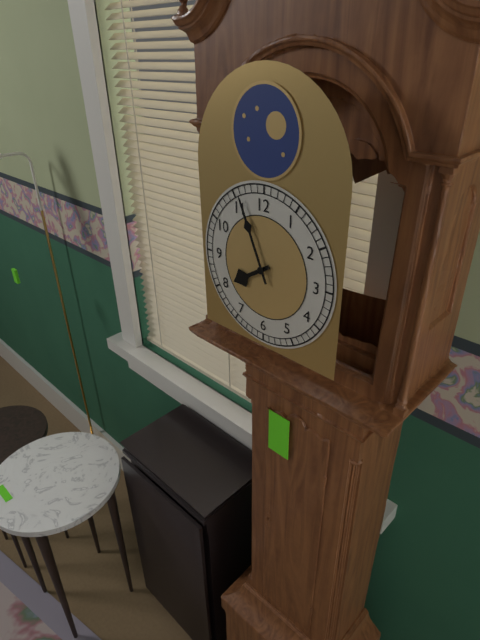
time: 7:56
